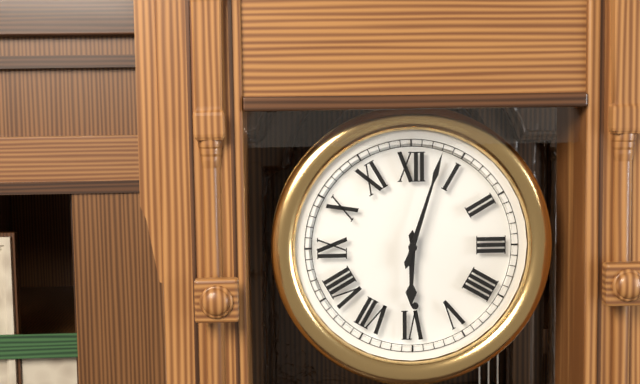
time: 6:03
